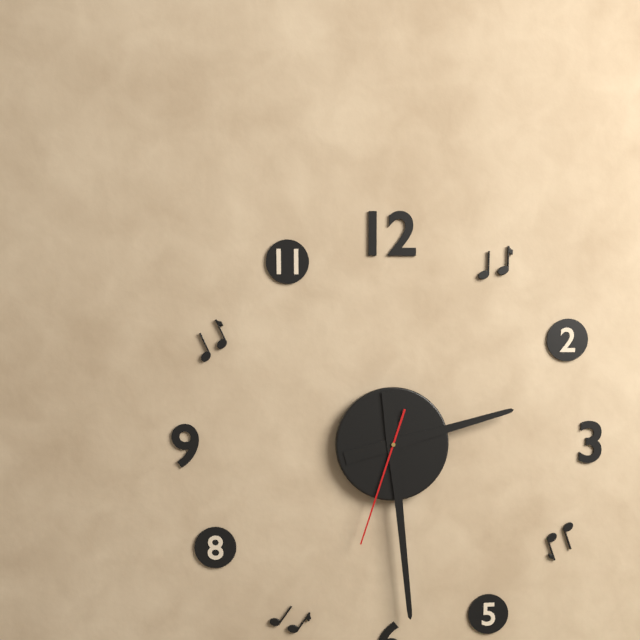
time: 2:29:33
